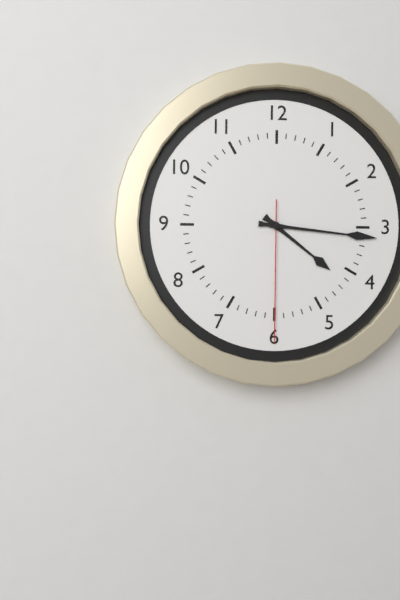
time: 4:16:30
